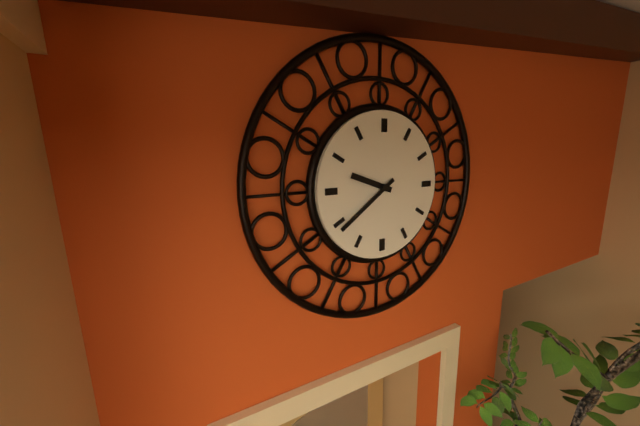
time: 9:39
